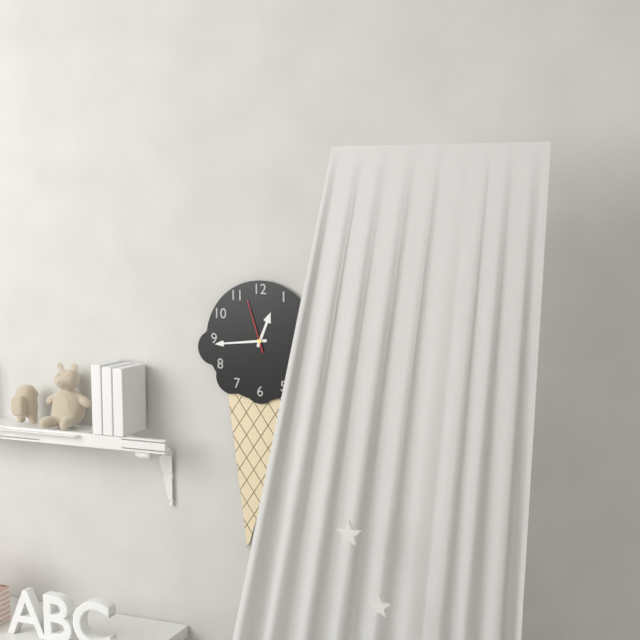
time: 12:44:57
